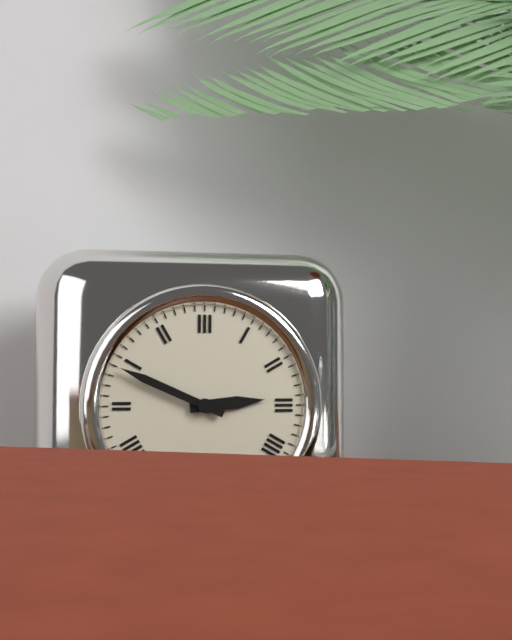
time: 2:49
